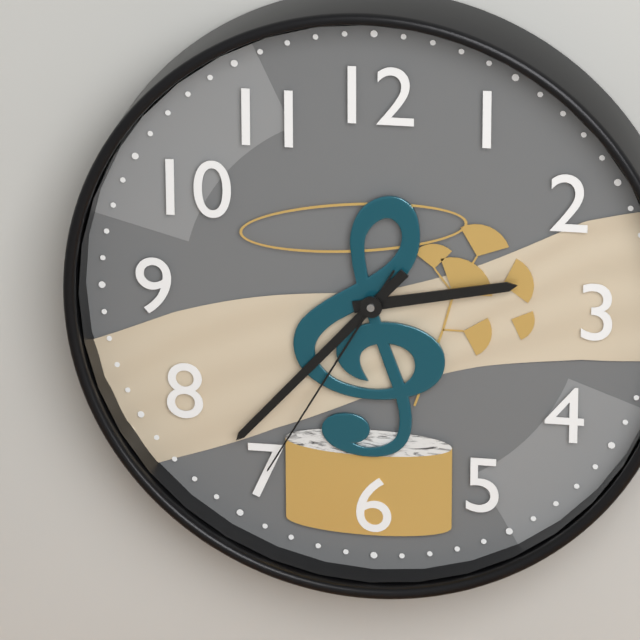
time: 2:37:35
